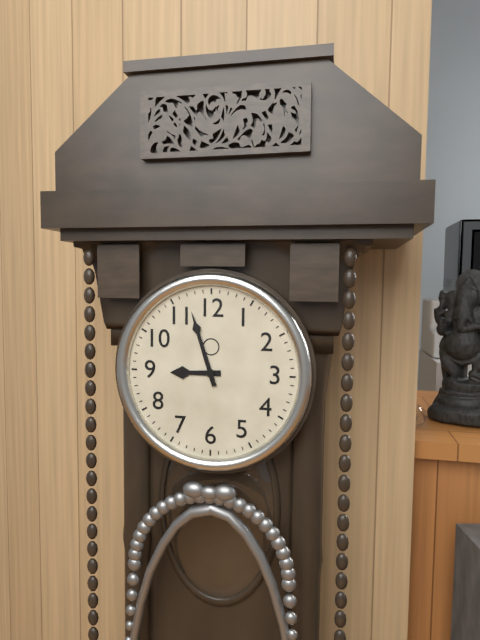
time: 8:57
